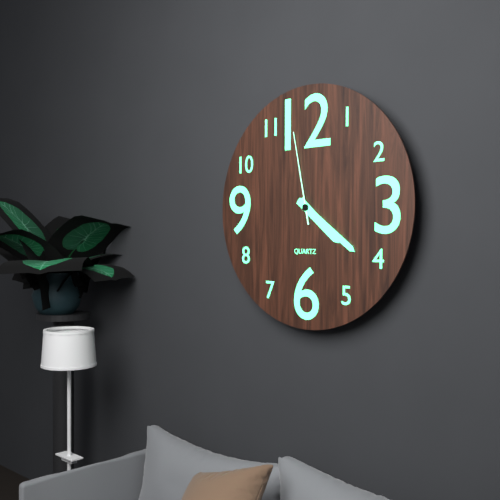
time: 4:21:58
